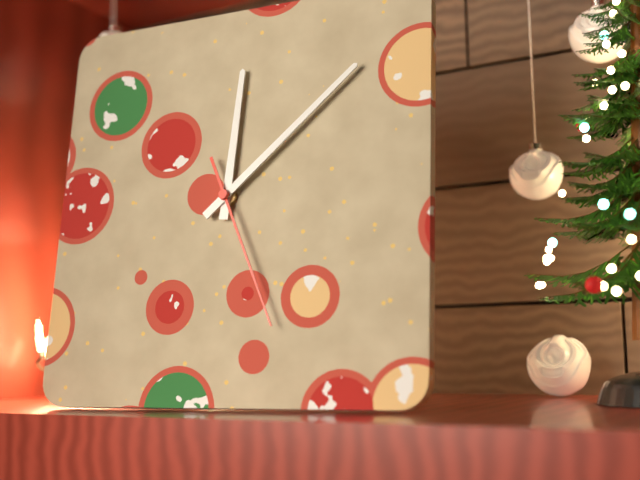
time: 12:08:26
